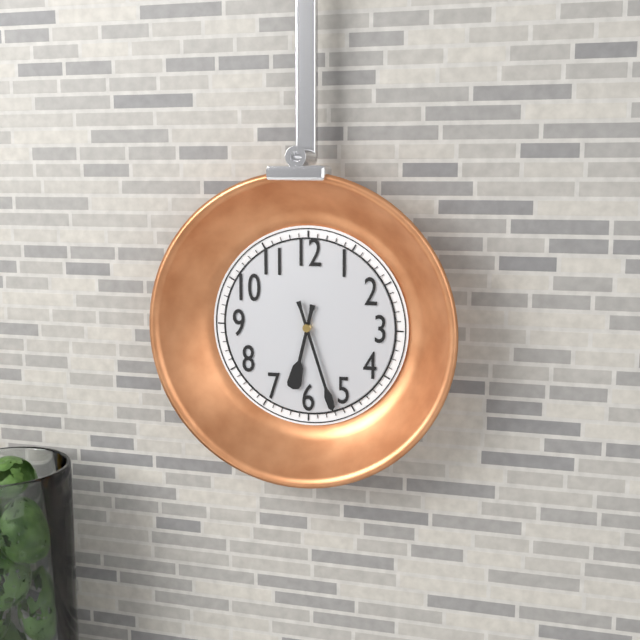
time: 6:27
